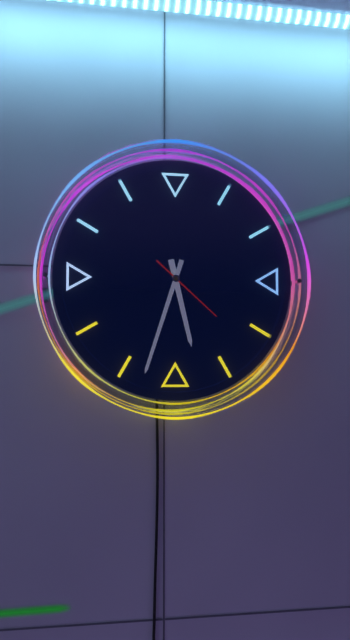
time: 5:33:22
